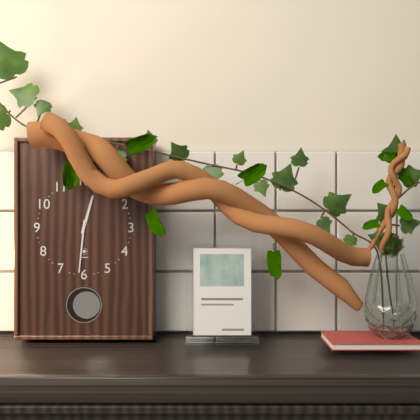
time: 12:31
